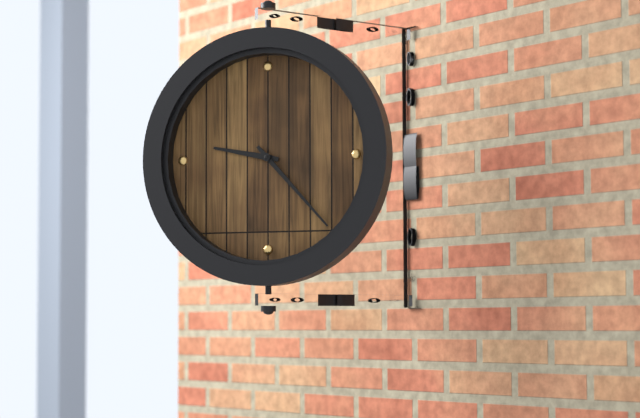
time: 9:23
